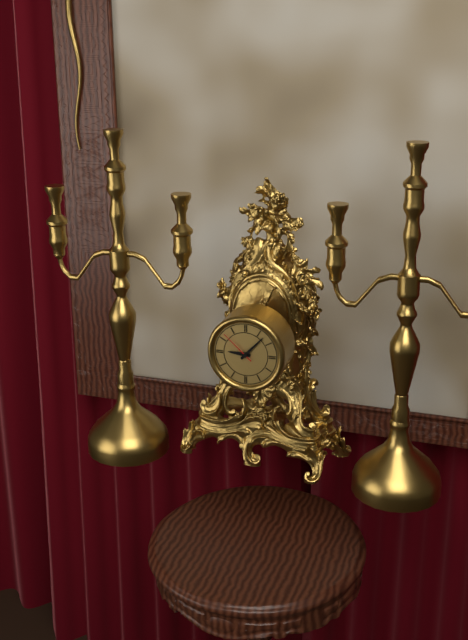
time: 9:07
